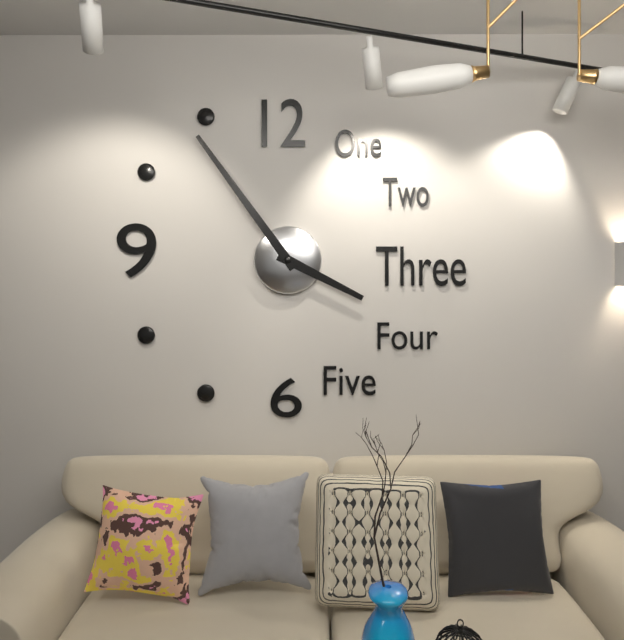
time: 3:54
